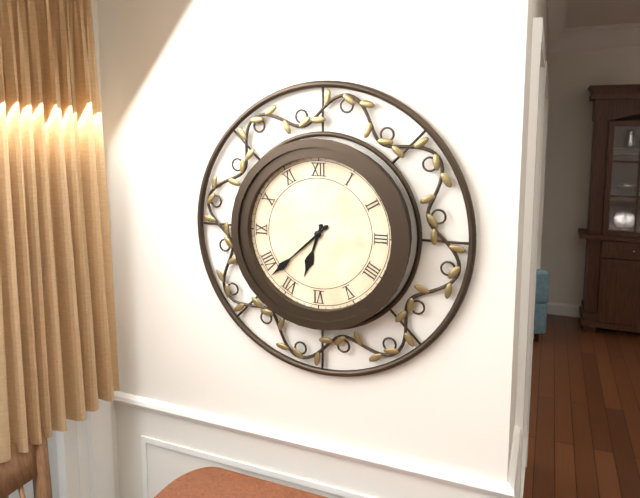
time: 6:38
